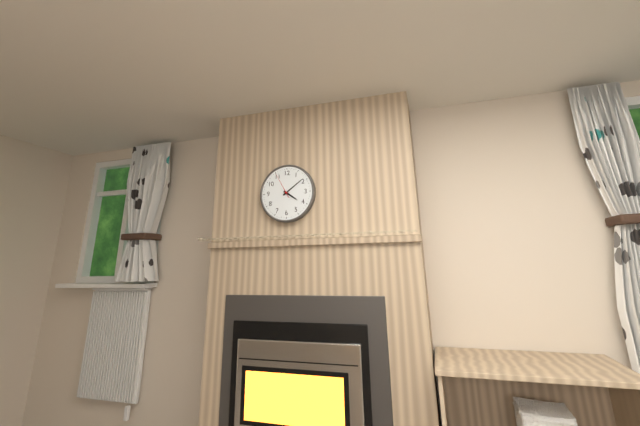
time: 4:09
